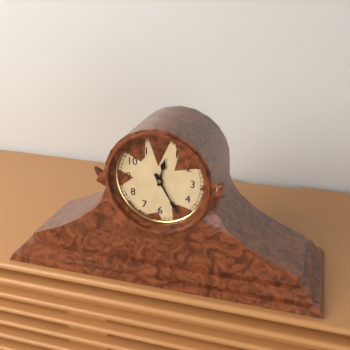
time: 12:25
